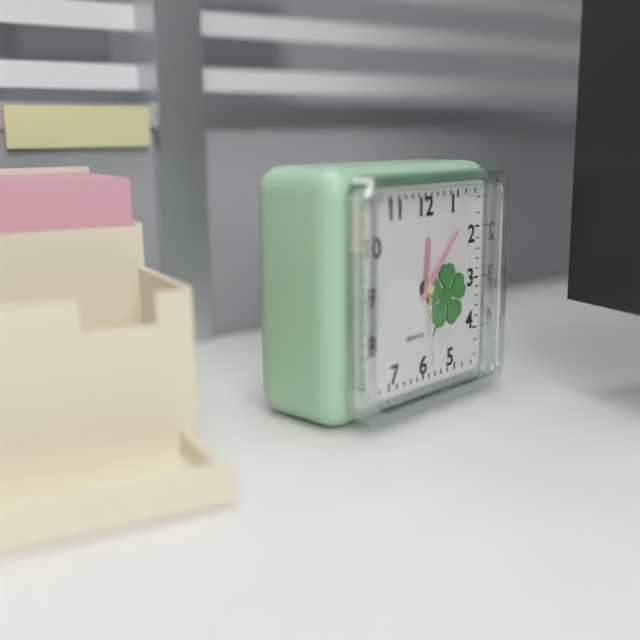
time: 12:07:29
